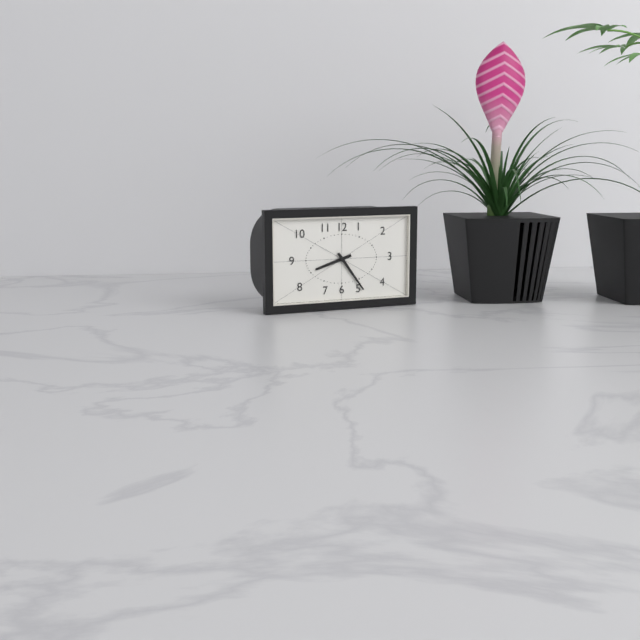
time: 8:24
